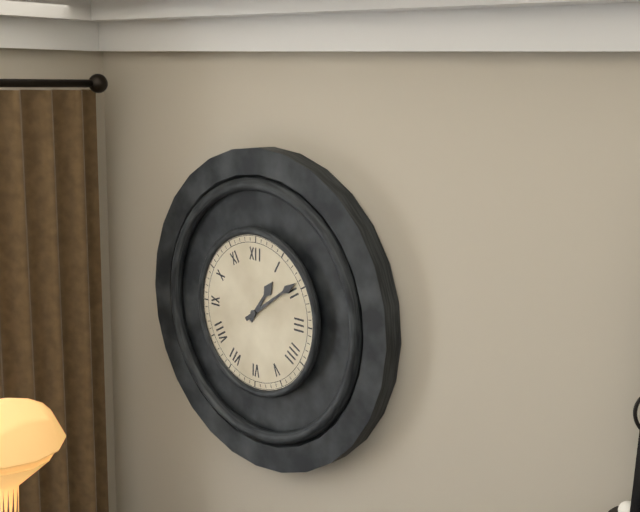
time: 1:09
